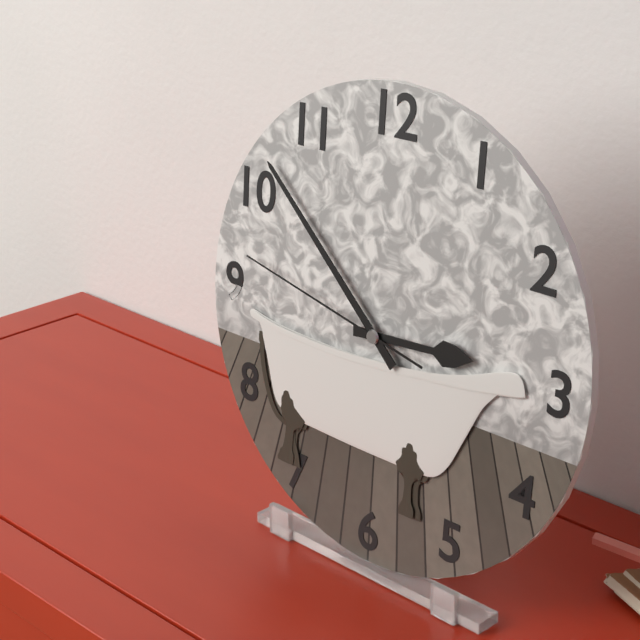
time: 2:52:47
